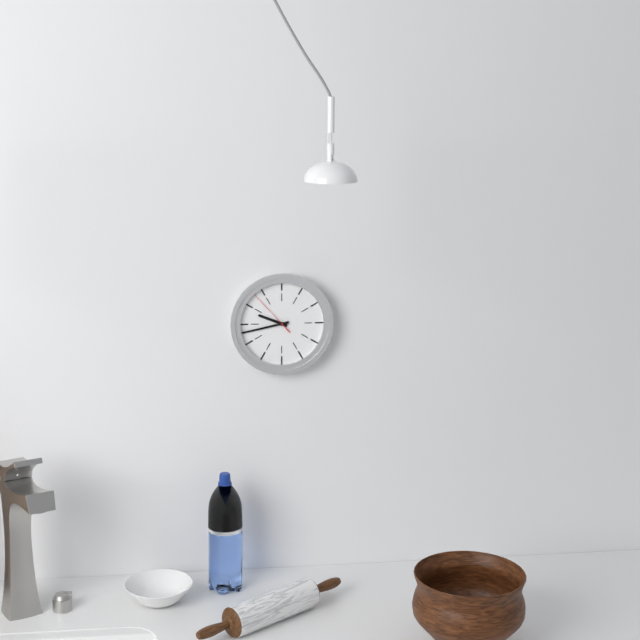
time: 9:43:53
